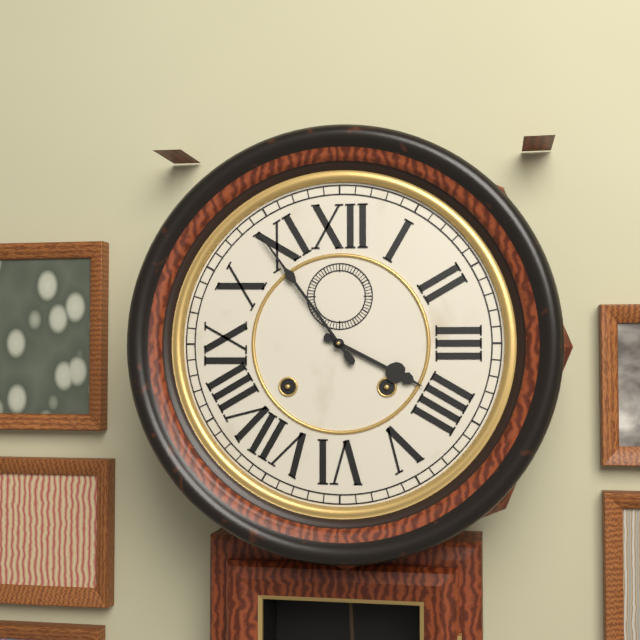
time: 3:54
